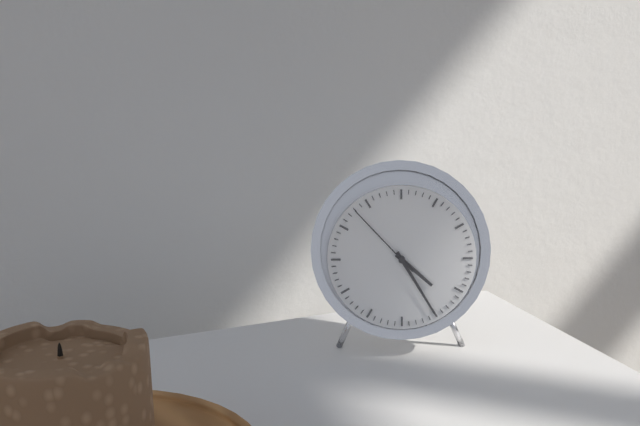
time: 4:25:53
